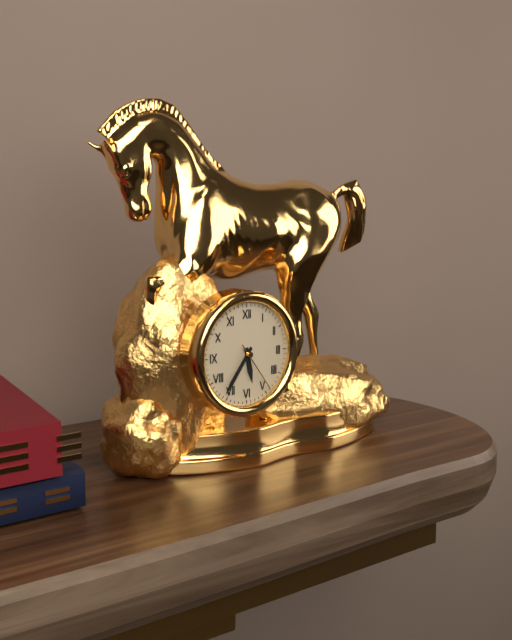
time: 5:36:24
